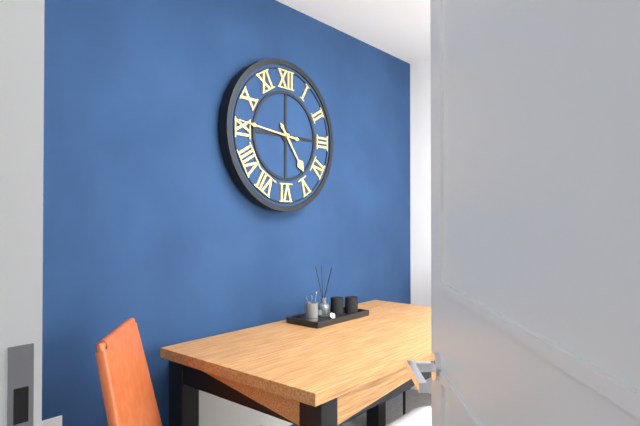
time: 4:46
